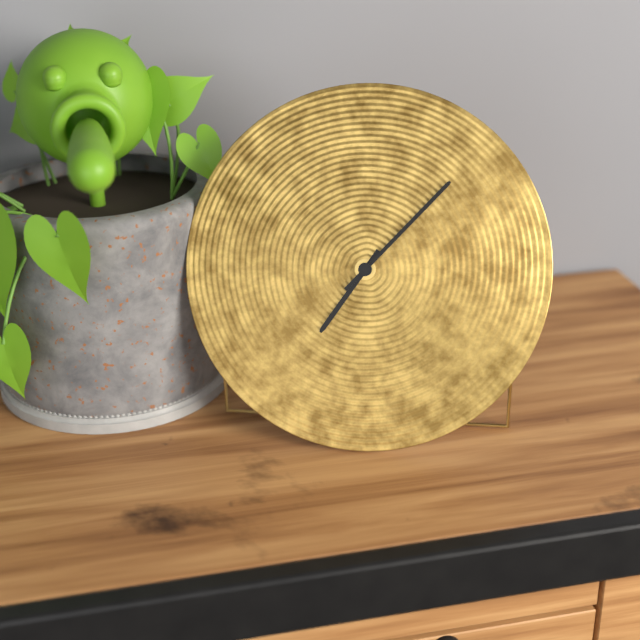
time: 7:07
